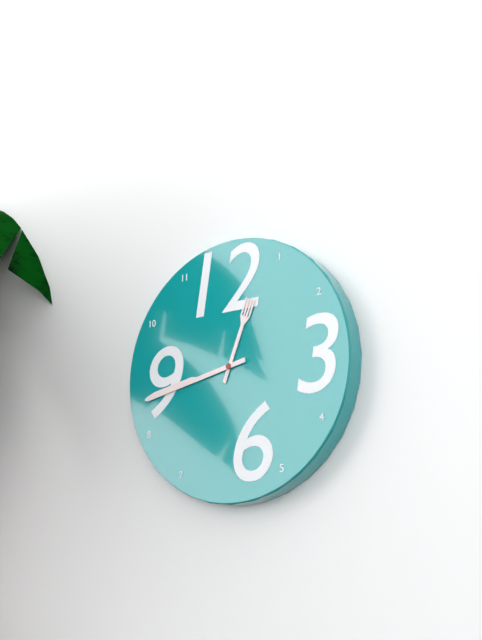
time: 12:43
